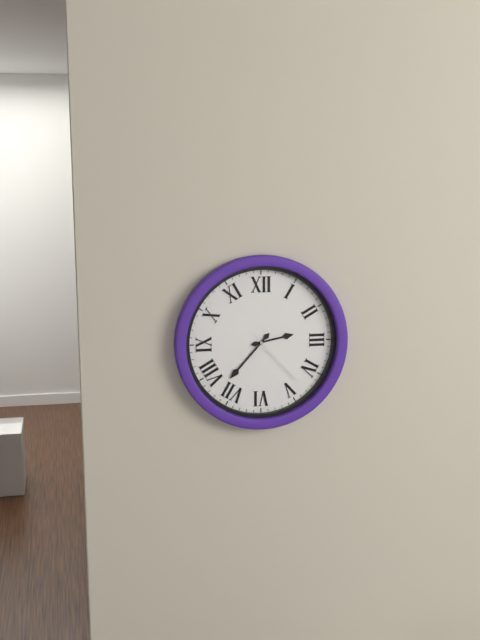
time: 2:37:23
